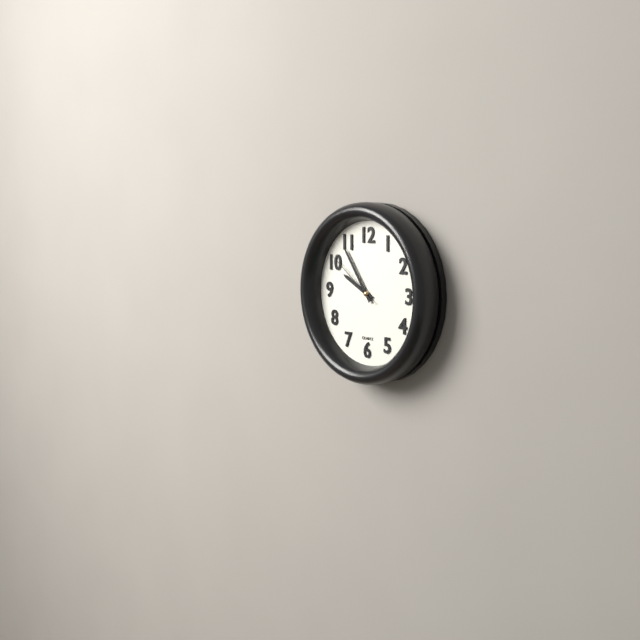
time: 9:54:51
